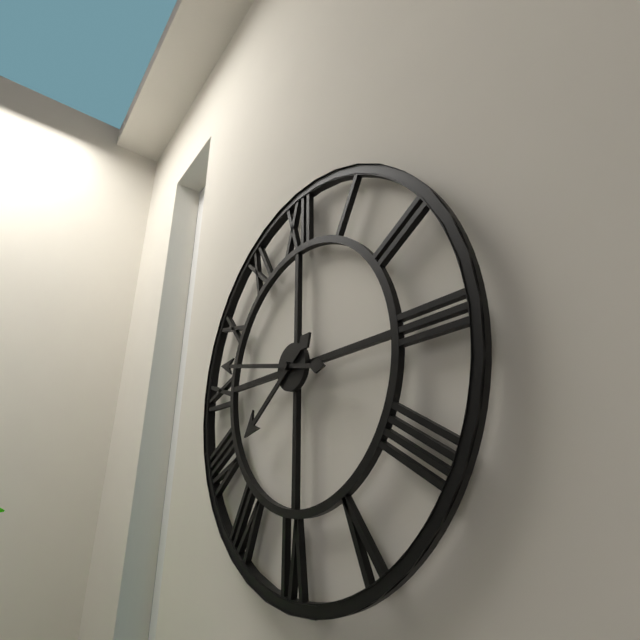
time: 7:47
